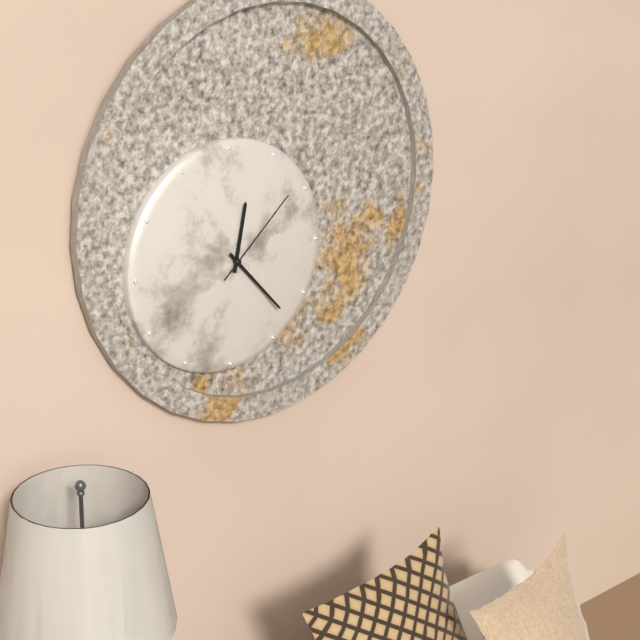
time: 12:23:08
